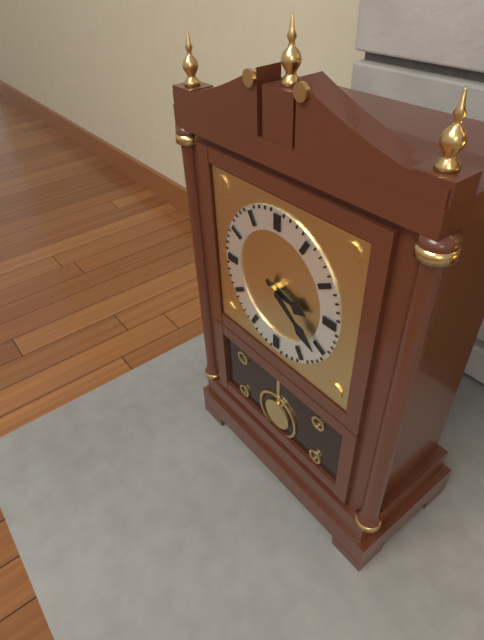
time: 3:21
